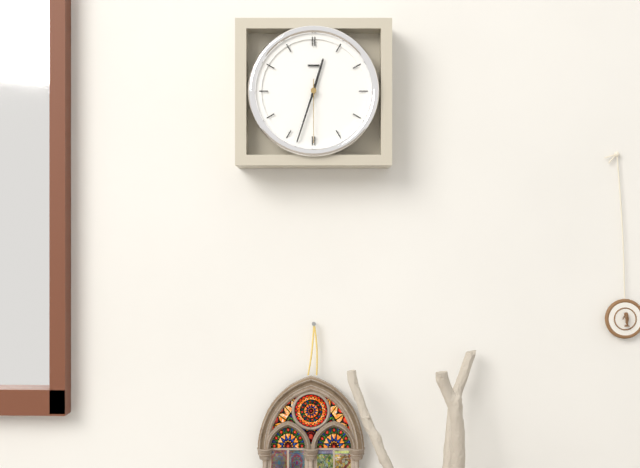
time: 12:33:30
